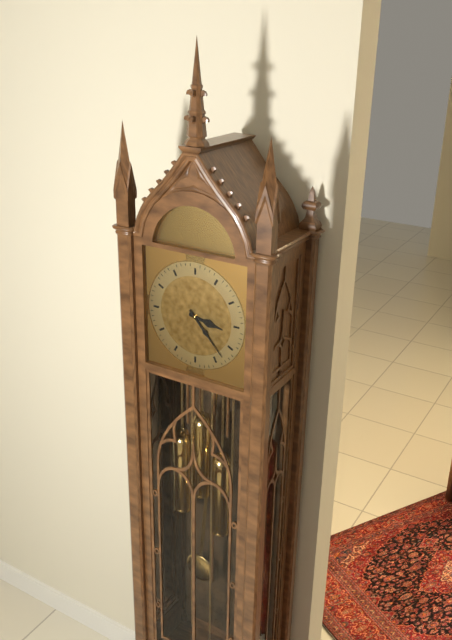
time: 3:23
